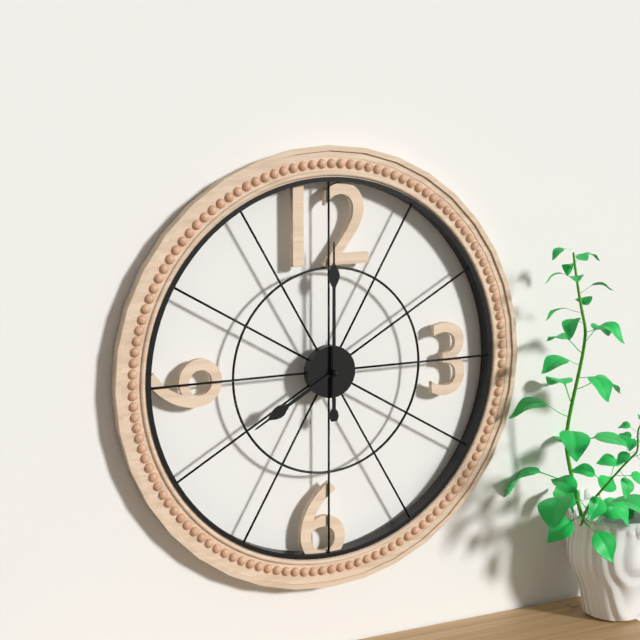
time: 8:00
